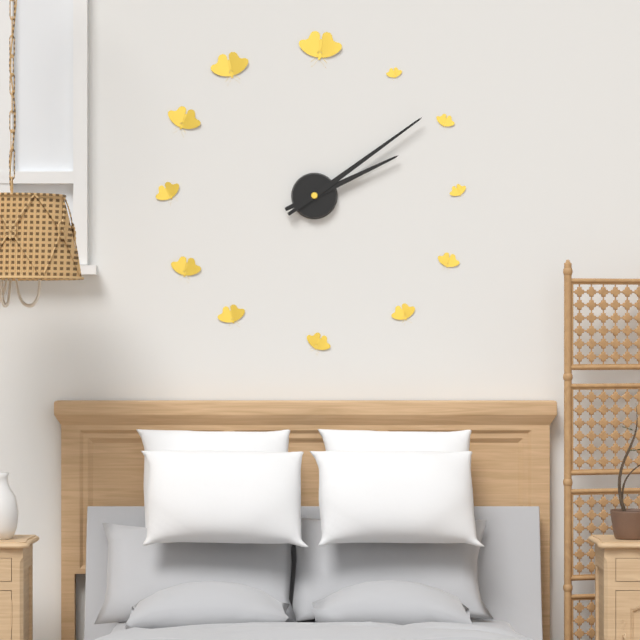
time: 2:09
